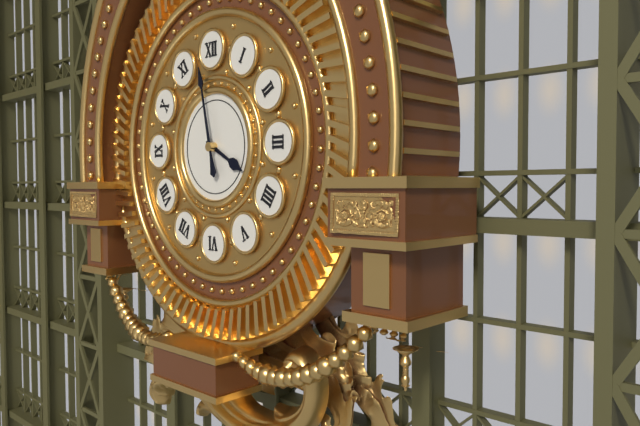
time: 3:58
